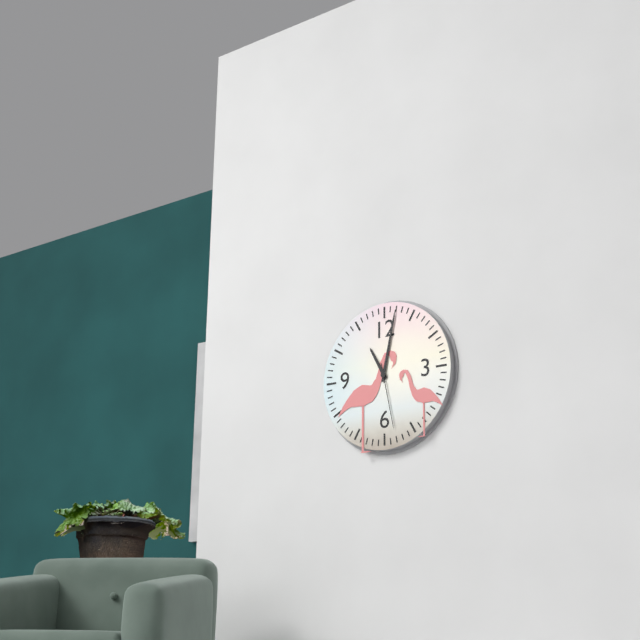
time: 11:02:28
